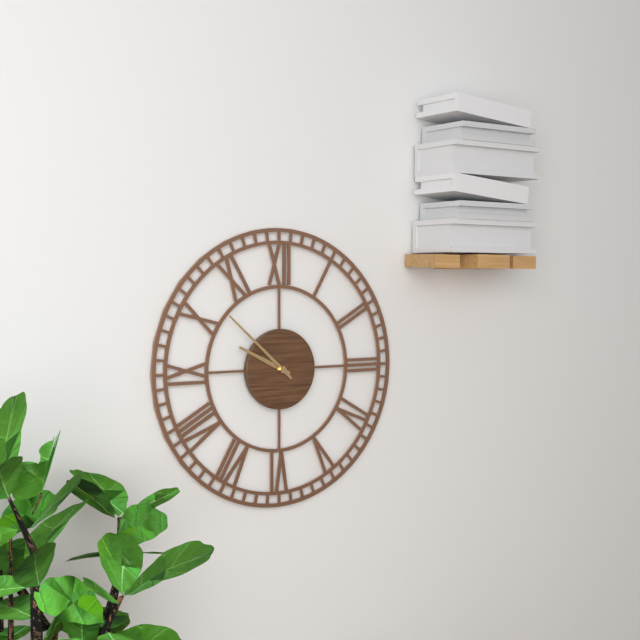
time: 9:52
